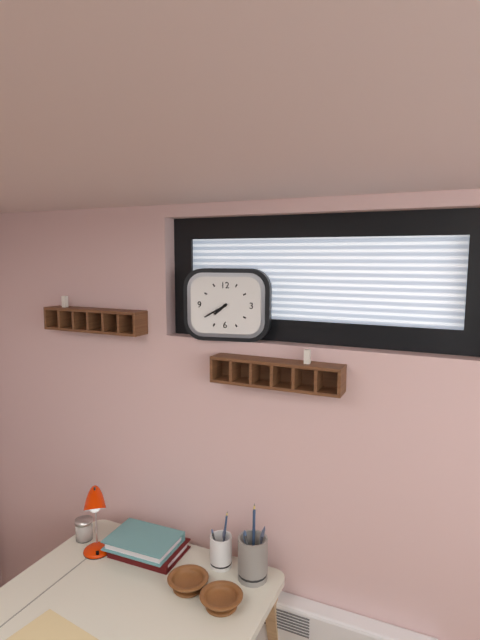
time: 7:40
